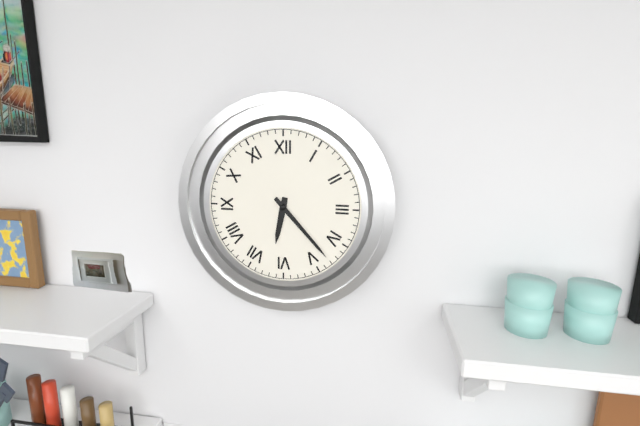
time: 6:23
